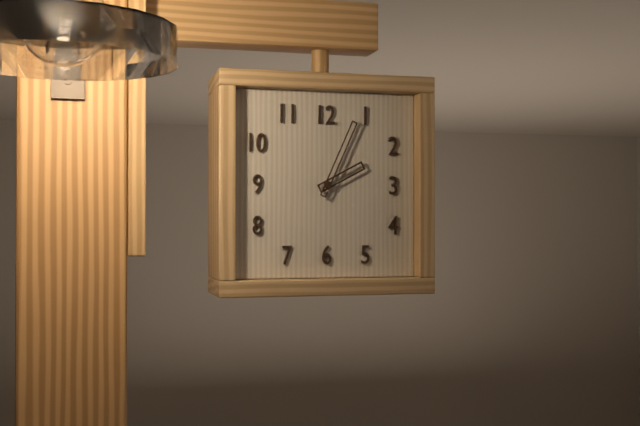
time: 2:04
